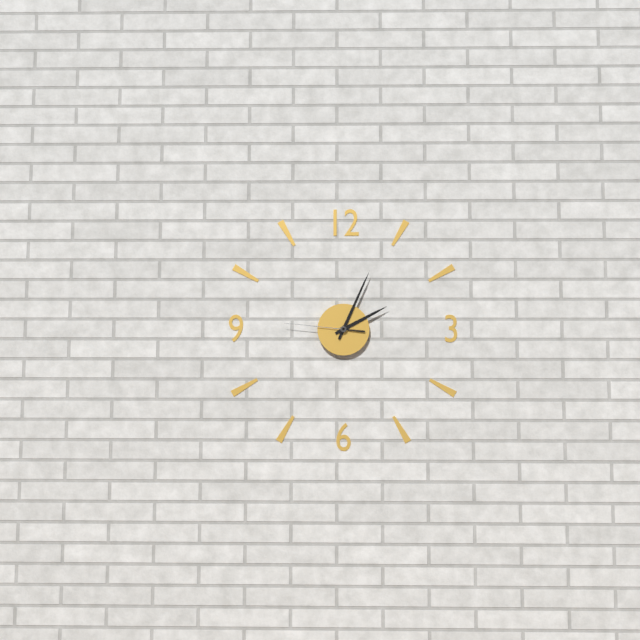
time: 2:04:46
